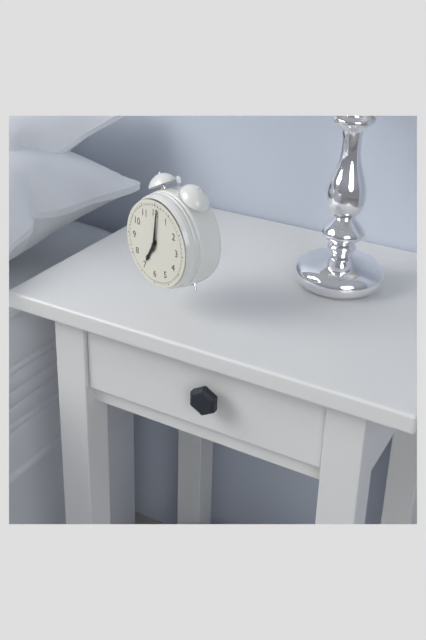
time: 7:01
